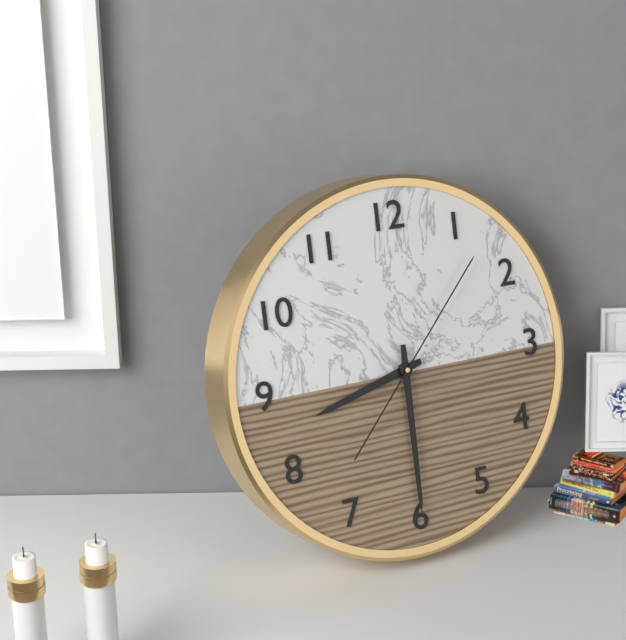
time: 8:30:07
